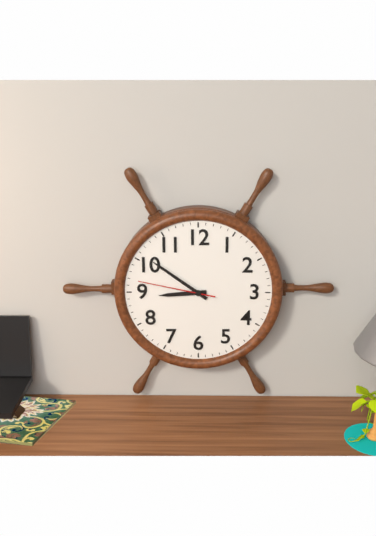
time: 8:51:47
